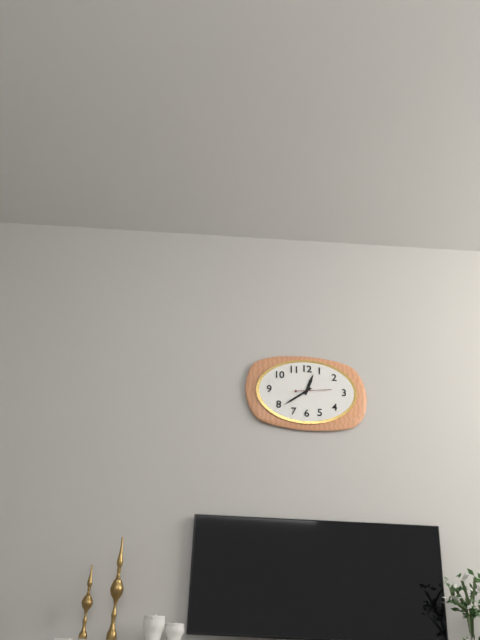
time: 12:39
